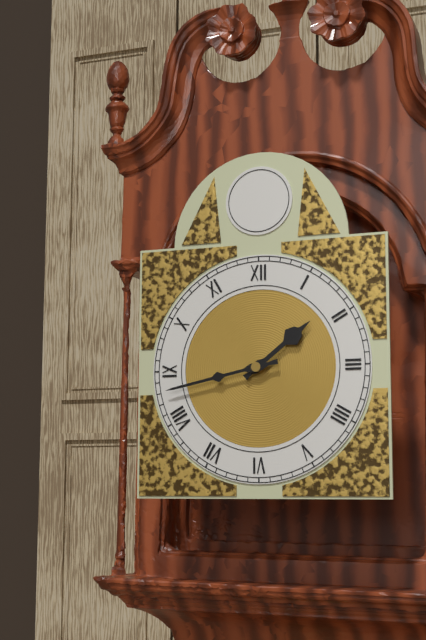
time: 1:43
